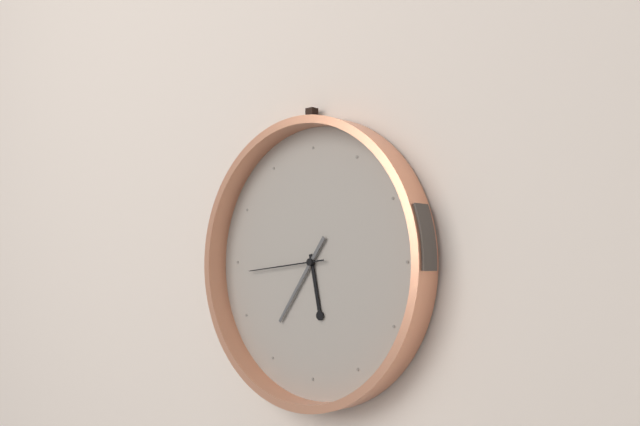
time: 5:36:44
